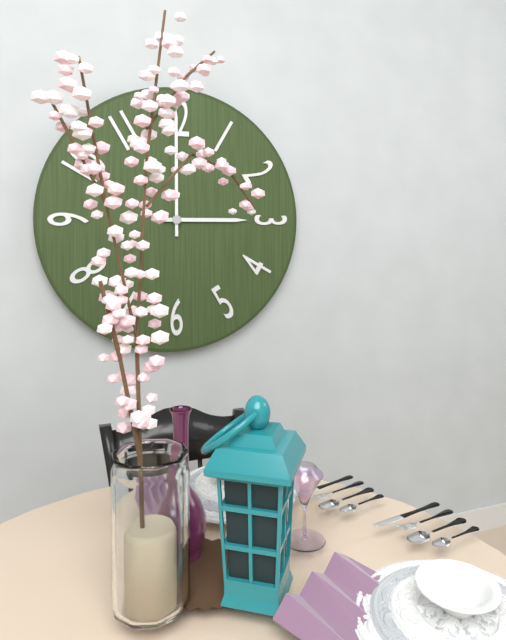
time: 3:00
